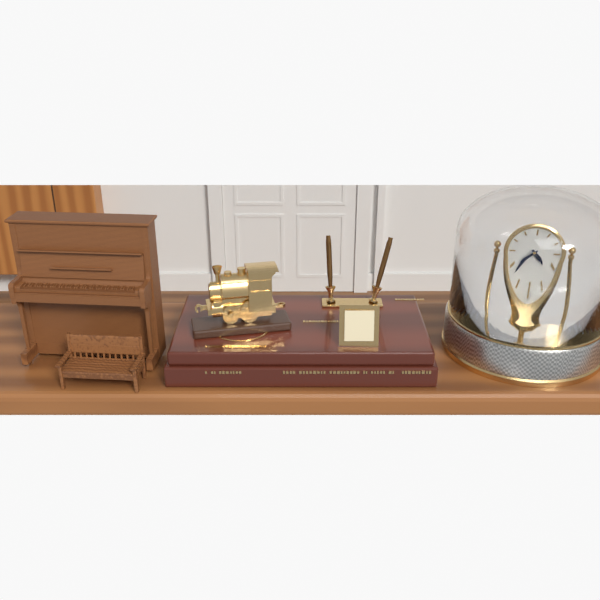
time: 4:38
